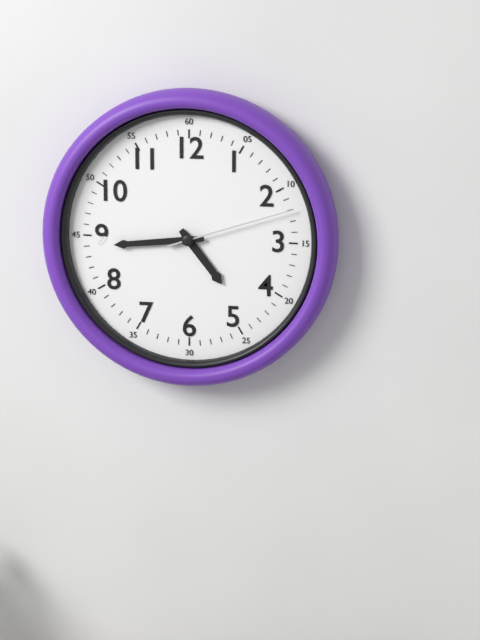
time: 4:44:12
